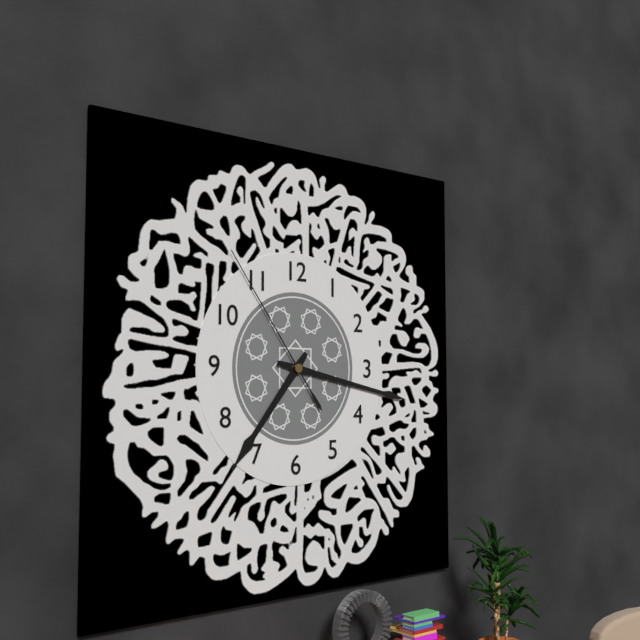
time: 7:17:54
